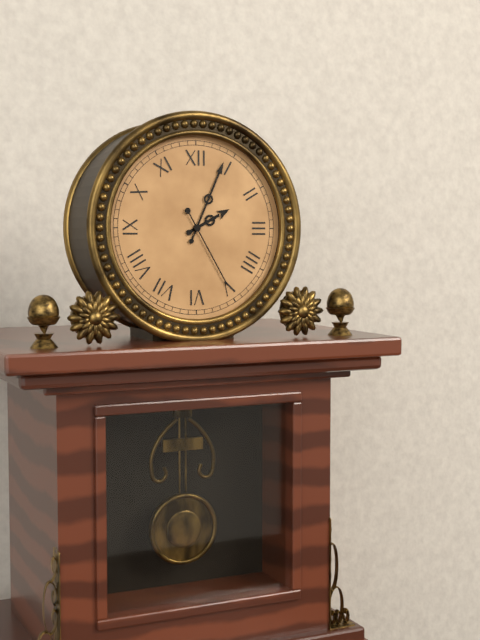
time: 2:04:25
